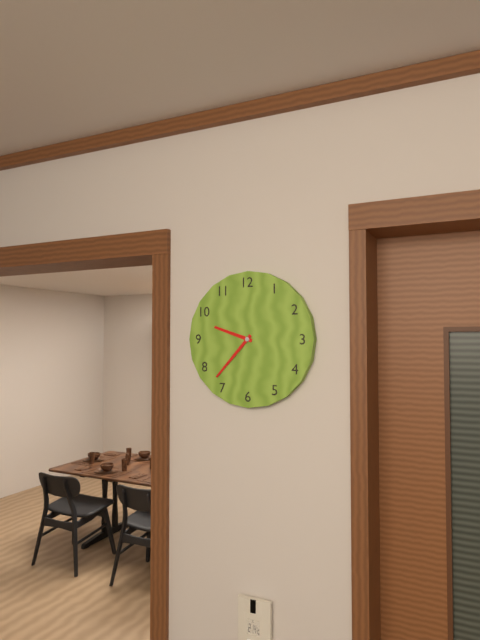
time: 9:37
